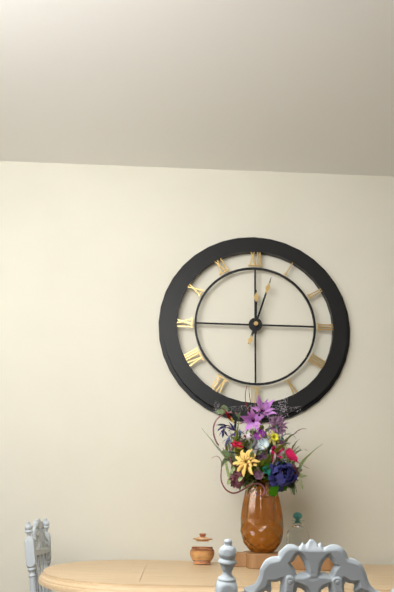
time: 12:03
